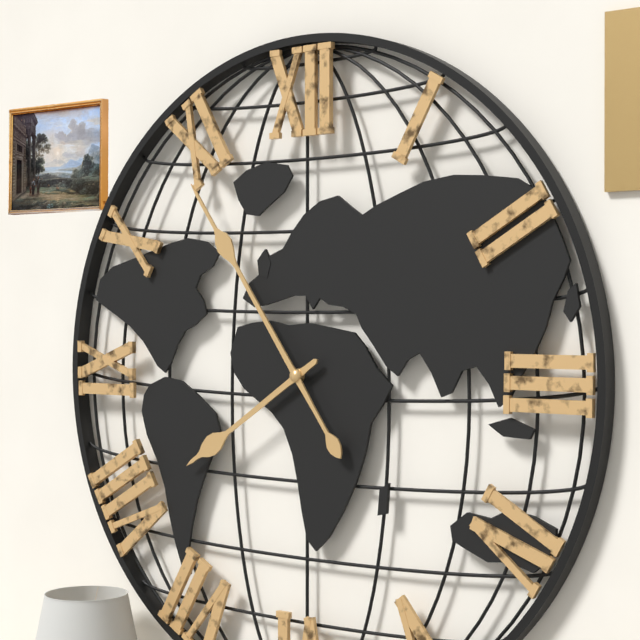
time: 7:54
